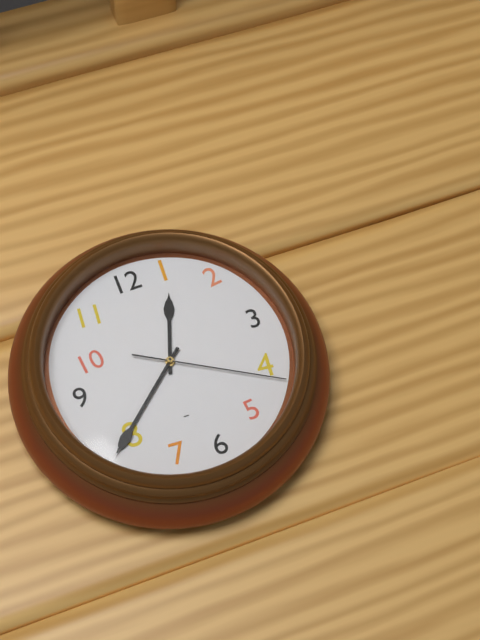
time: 12:38:20
